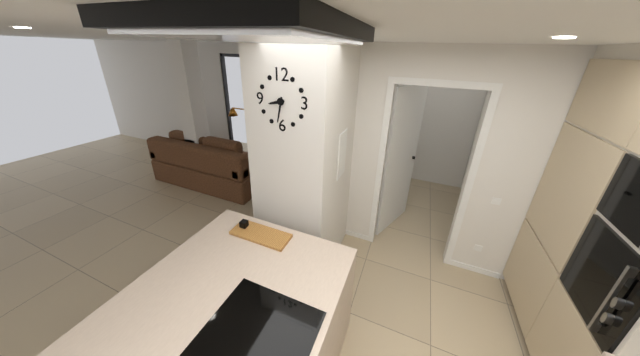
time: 8:32
